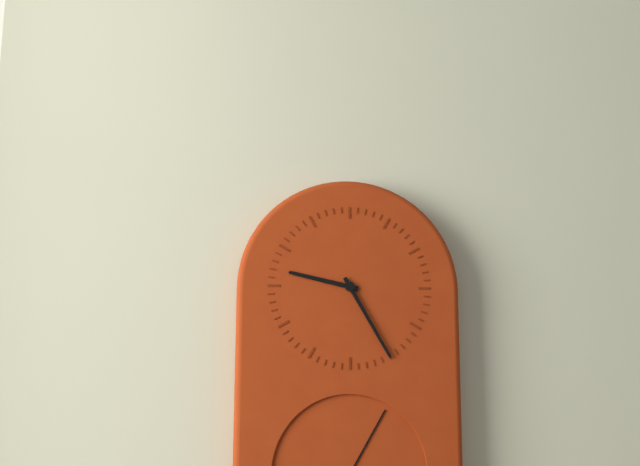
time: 9:25:05
